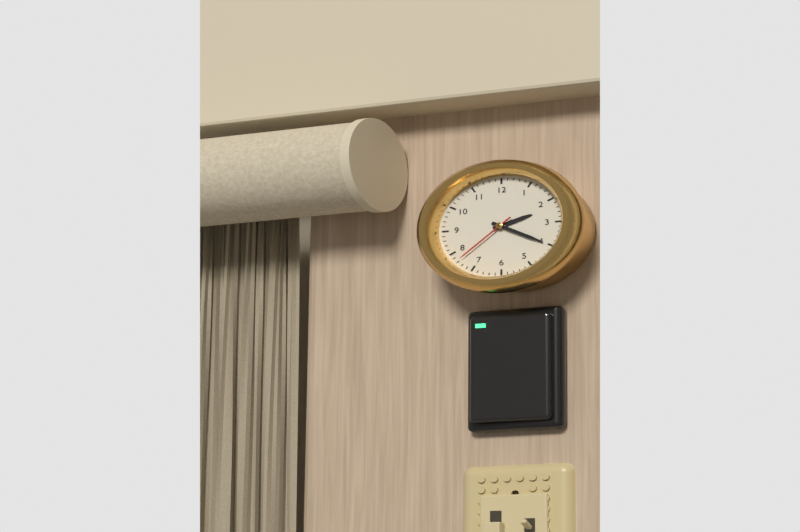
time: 2:20:38
